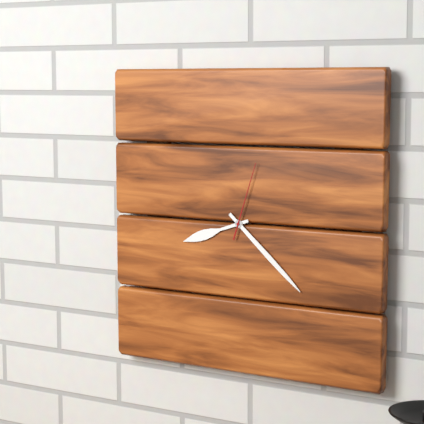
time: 8:22:03
